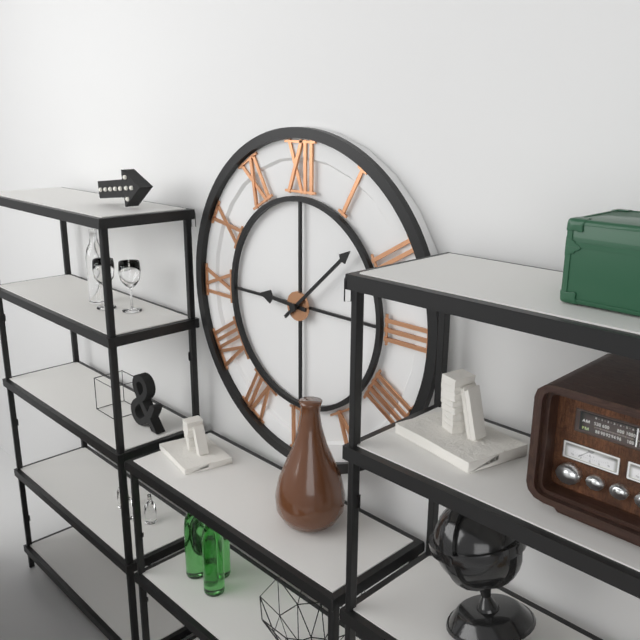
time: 9:08
